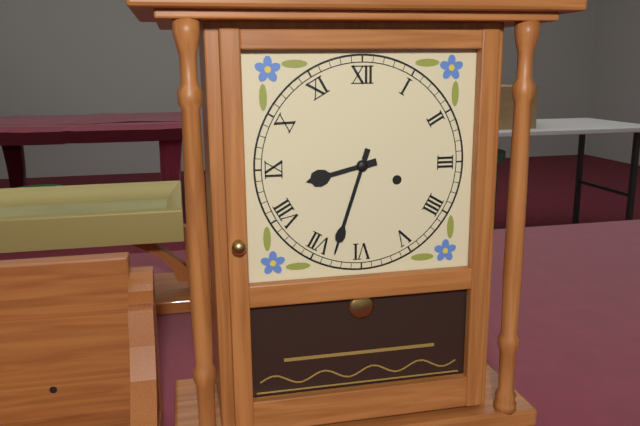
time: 8:33
